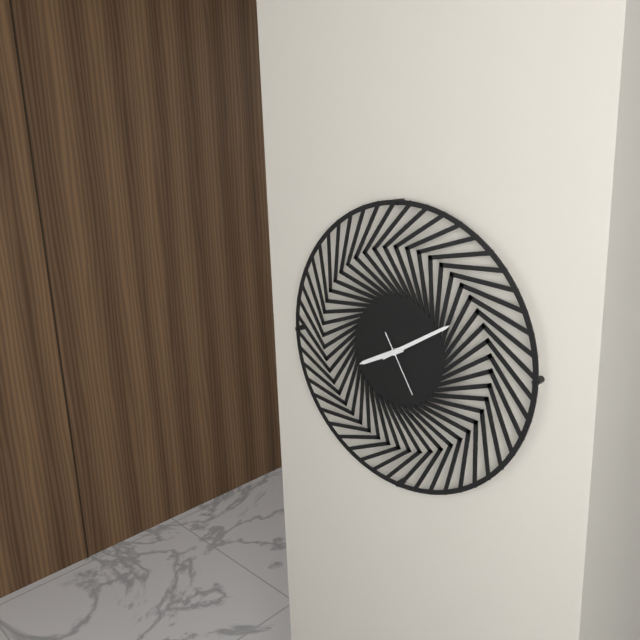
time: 8:10:25
